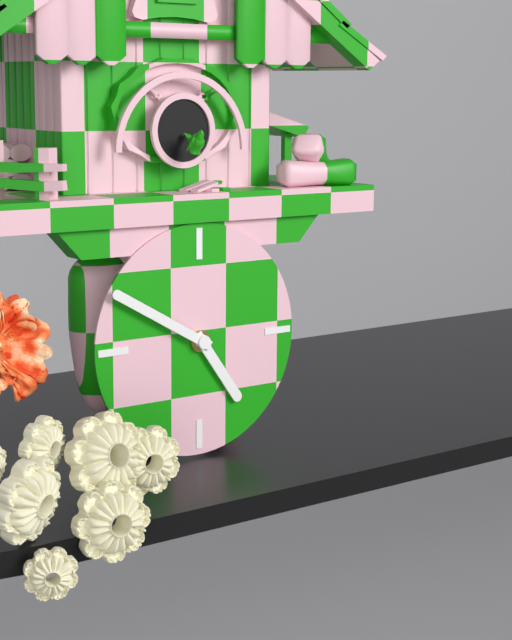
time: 4:50
